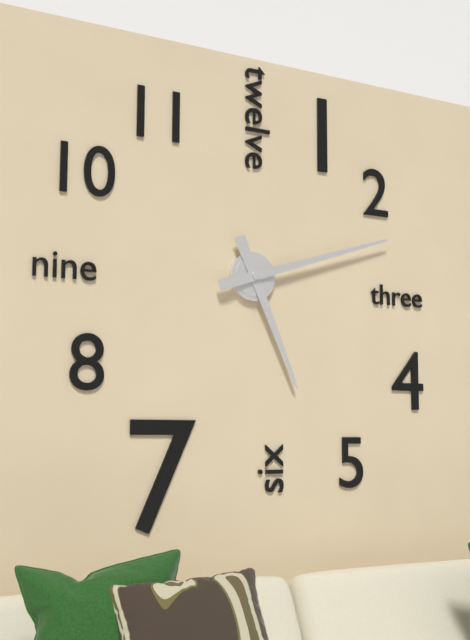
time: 5:12
